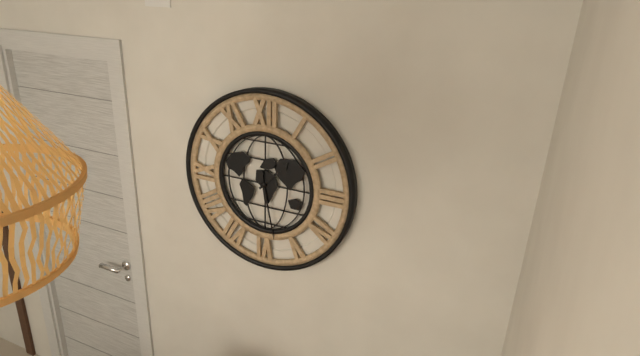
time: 1:28
